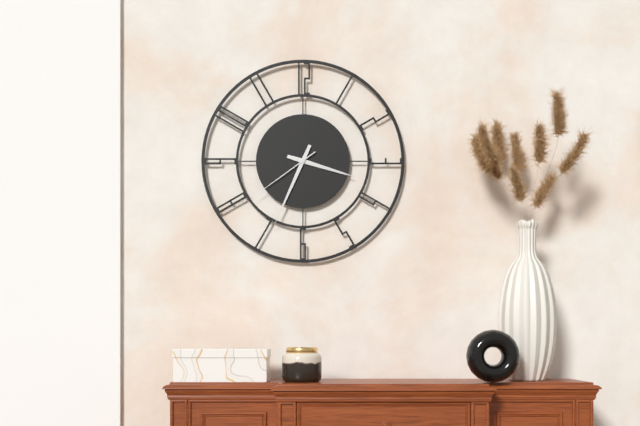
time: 3:34:39
